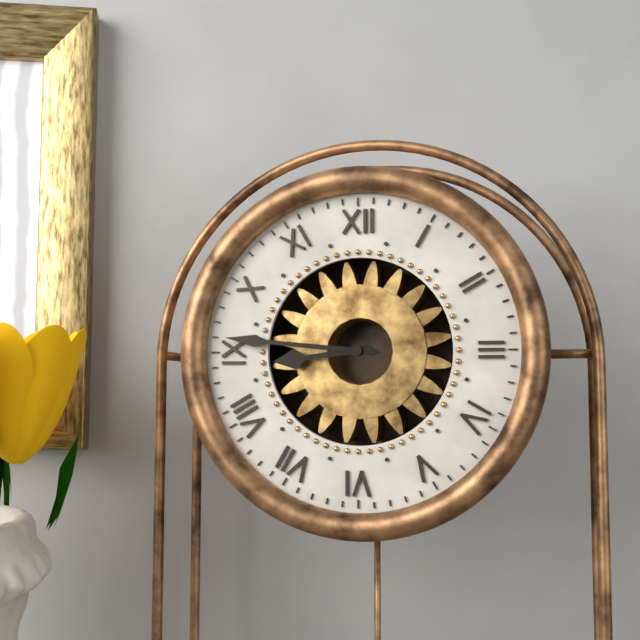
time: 8:46
